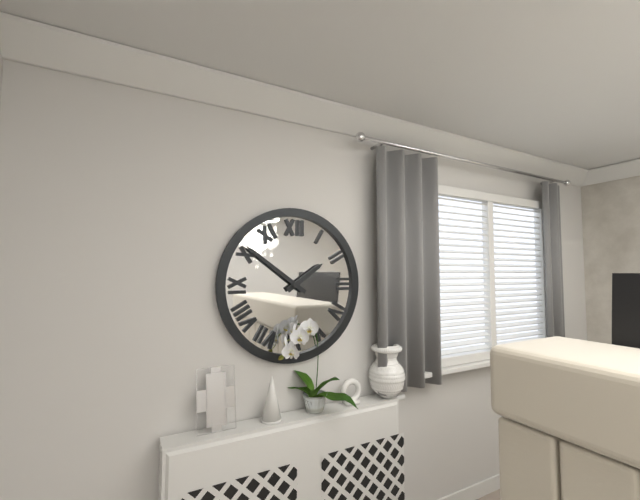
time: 1:51
